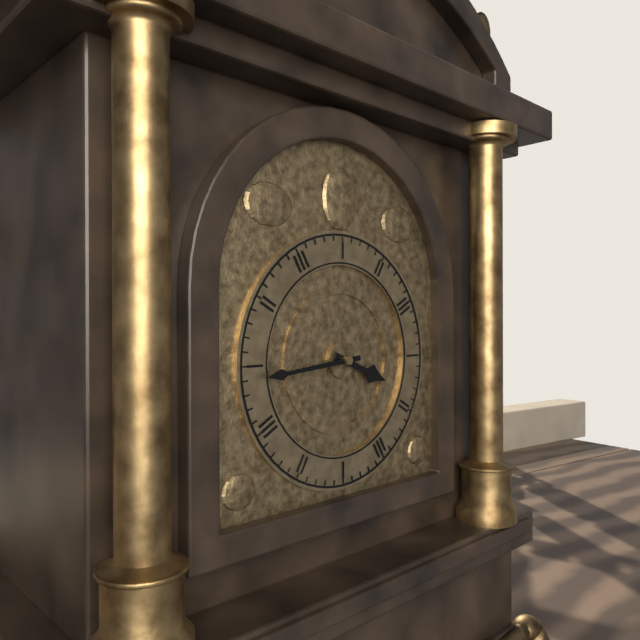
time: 3:44
